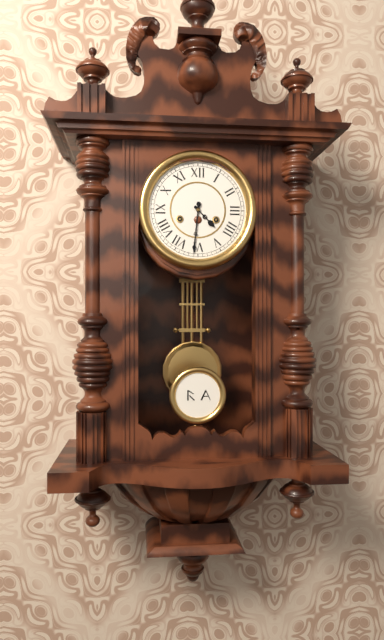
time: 4:31
